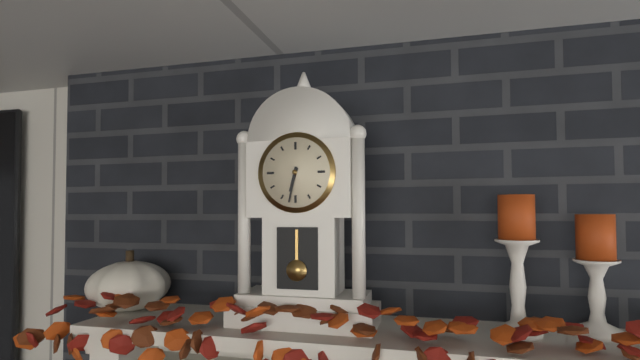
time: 6:32
